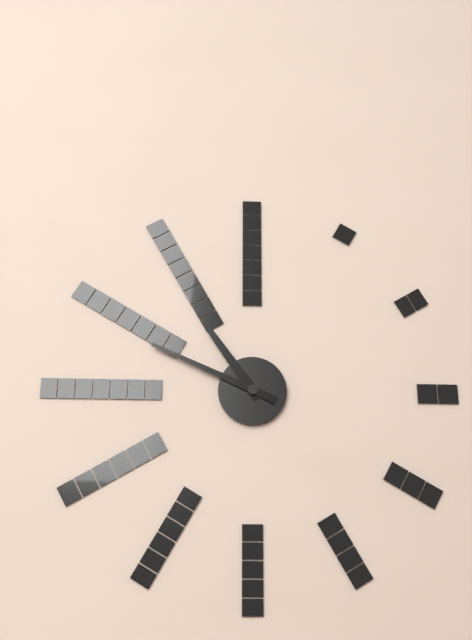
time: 10:49
